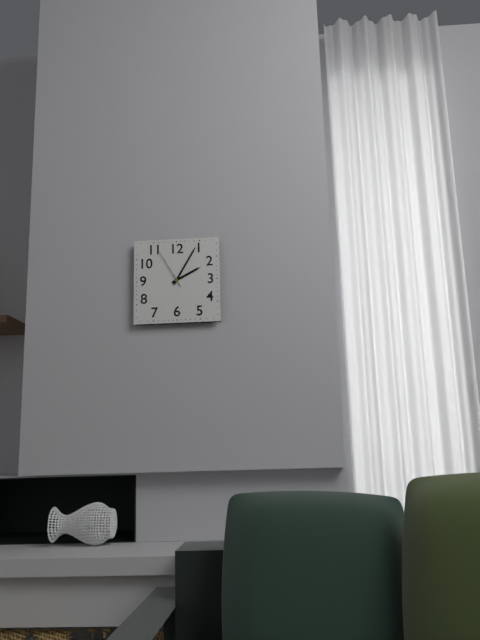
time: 2:05
